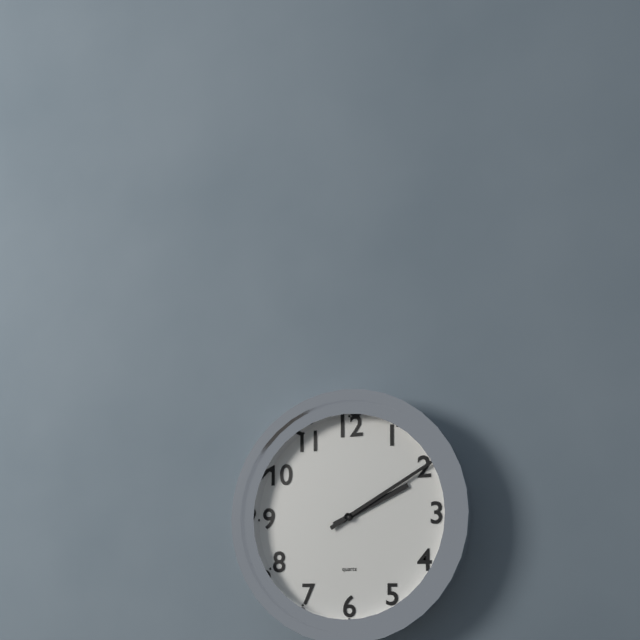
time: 2:10
